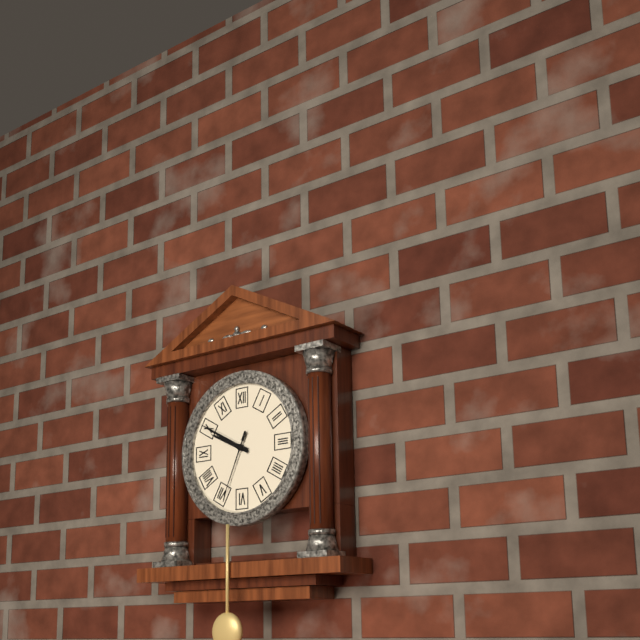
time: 9:50:34
